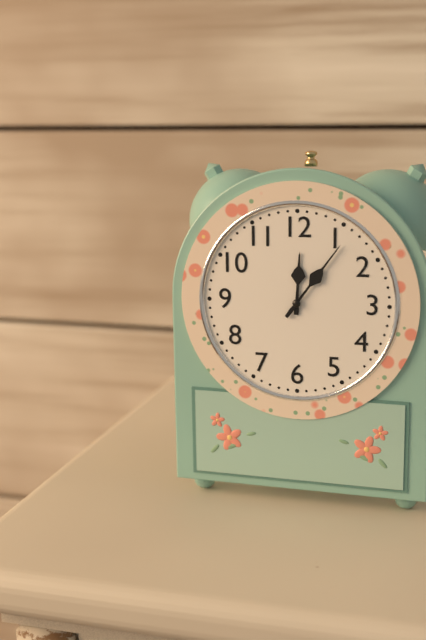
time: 12:06
